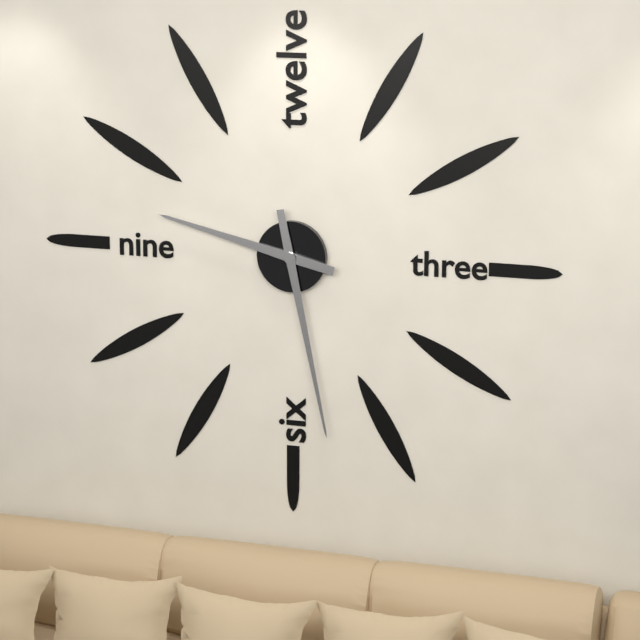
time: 9:28
